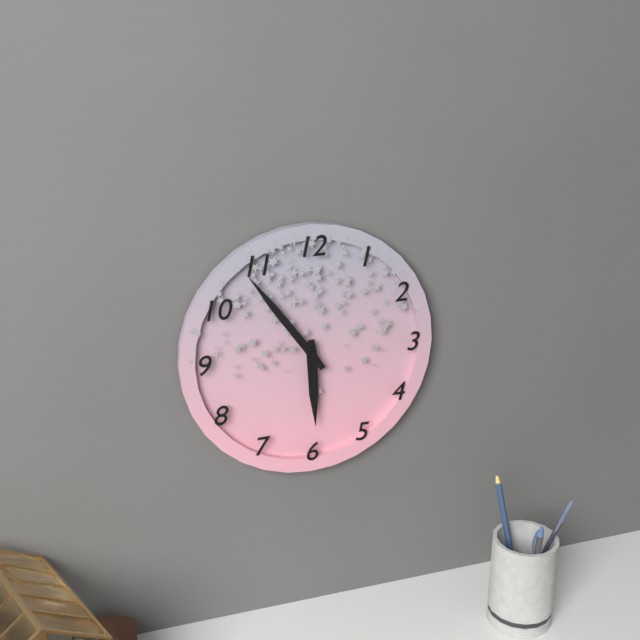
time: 5:54
